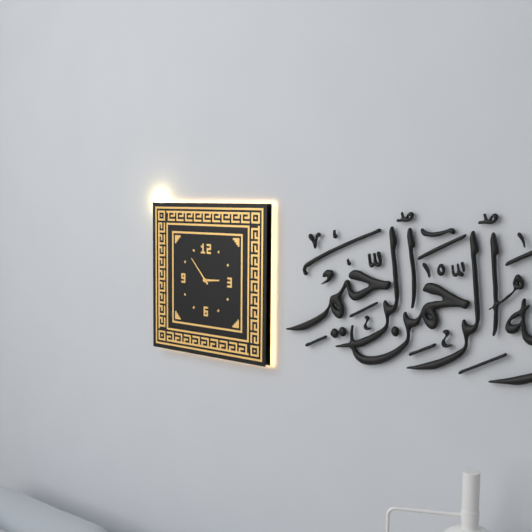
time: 2:53
